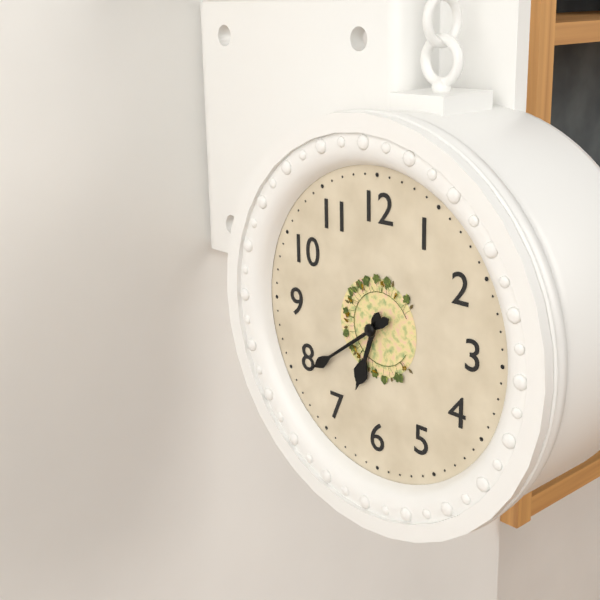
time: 6:39
